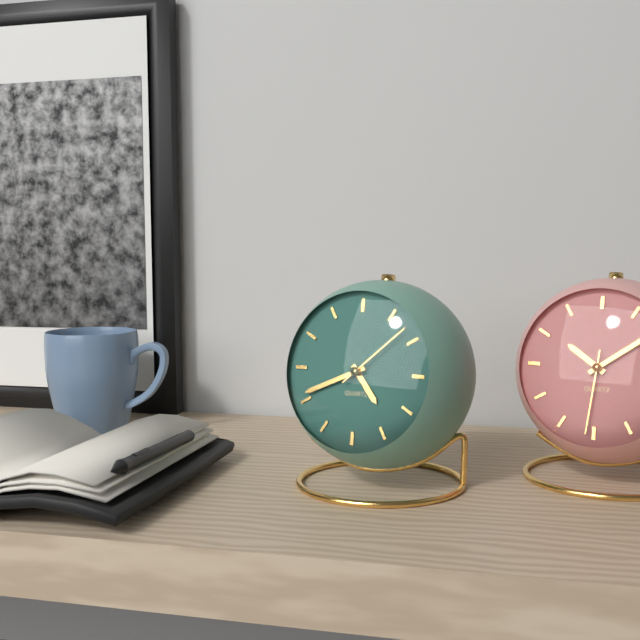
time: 4:41:08
